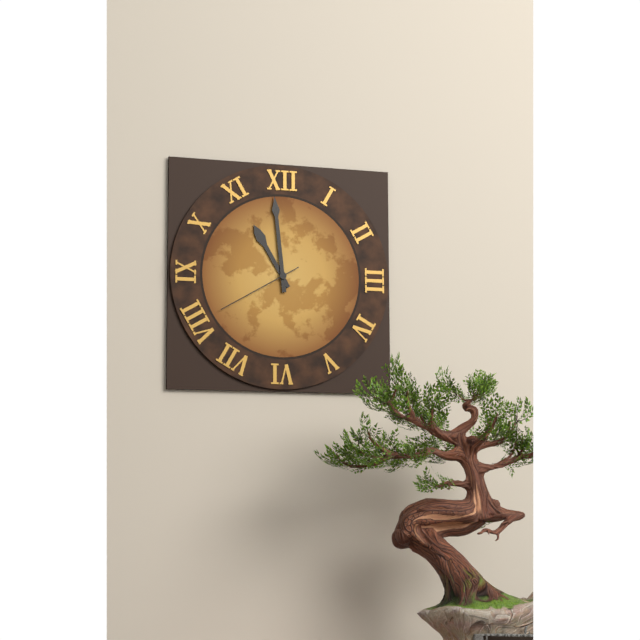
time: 10:59:40
